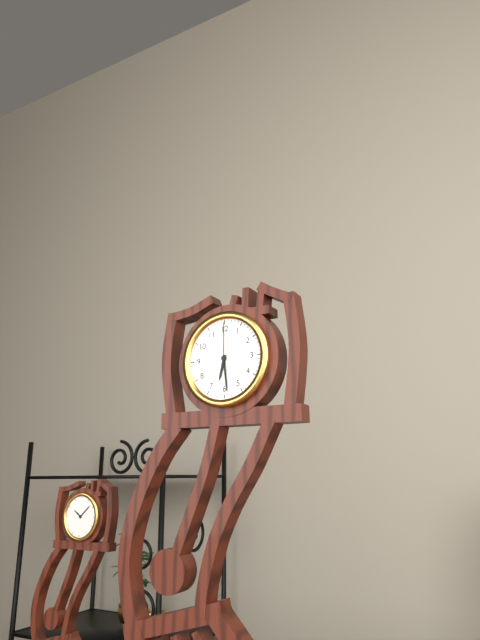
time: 6:29
